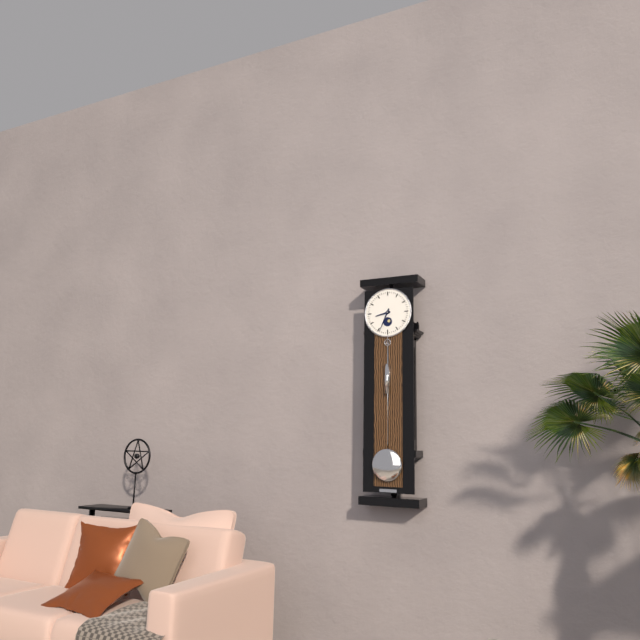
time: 8:34
